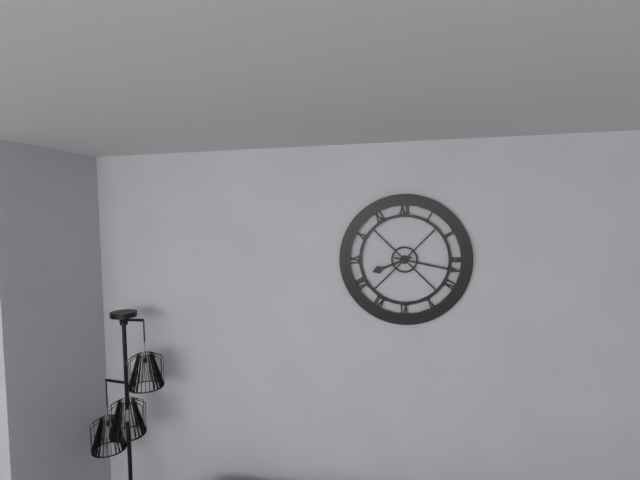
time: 8:17
